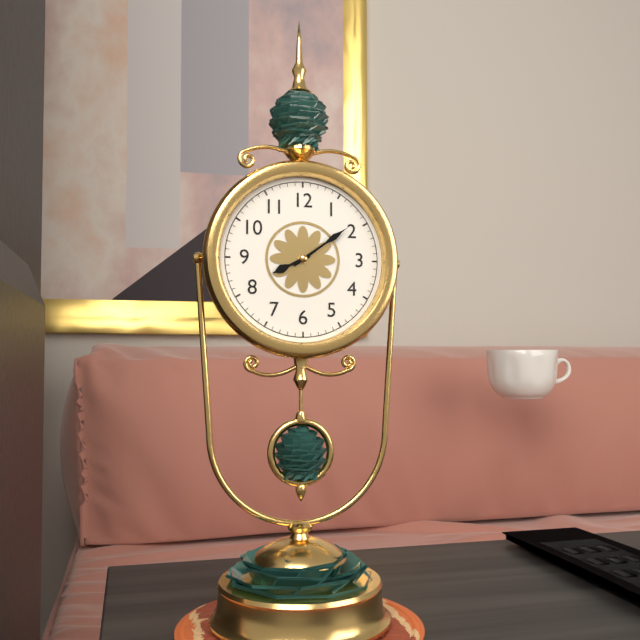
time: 8:09
